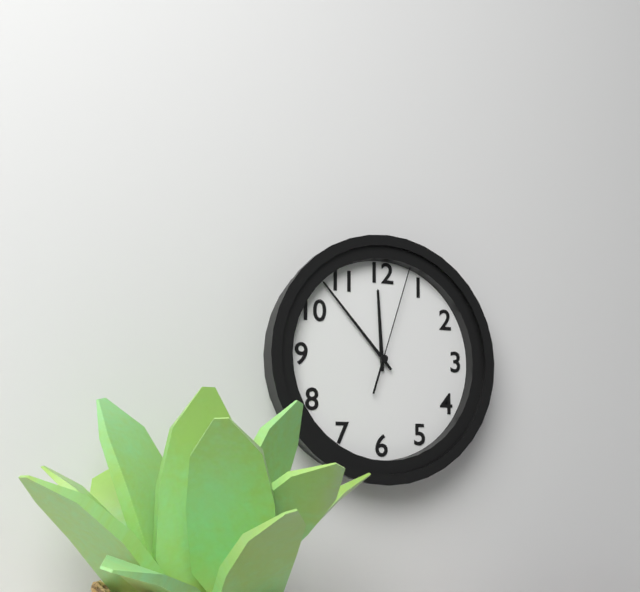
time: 11:53:03
